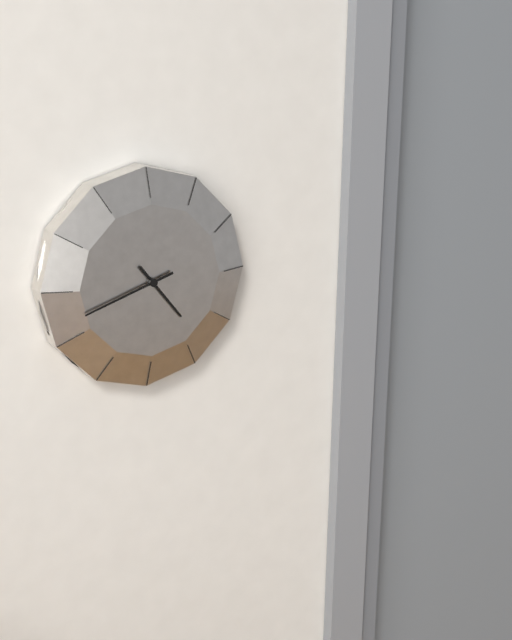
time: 4:42
